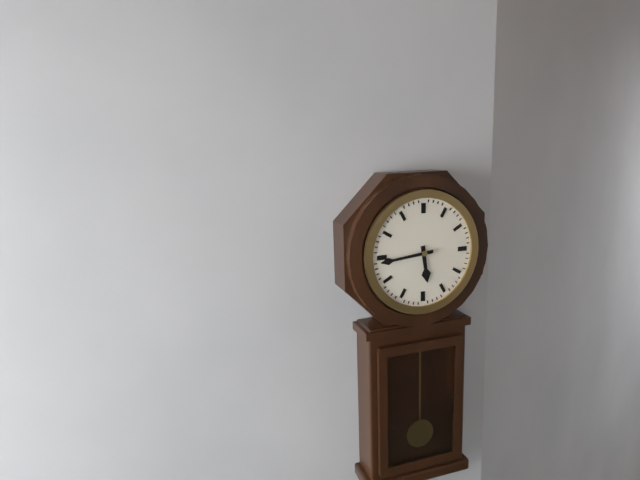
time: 5:44
